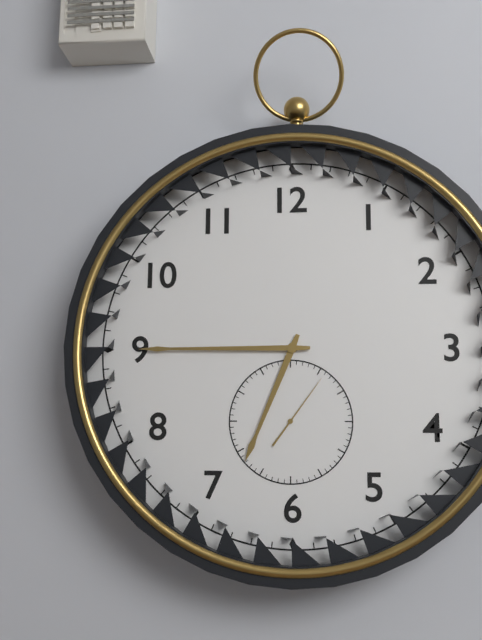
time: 6:45:06
